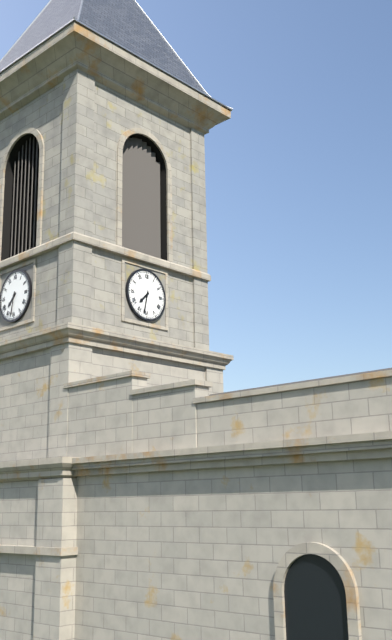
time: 7:32
